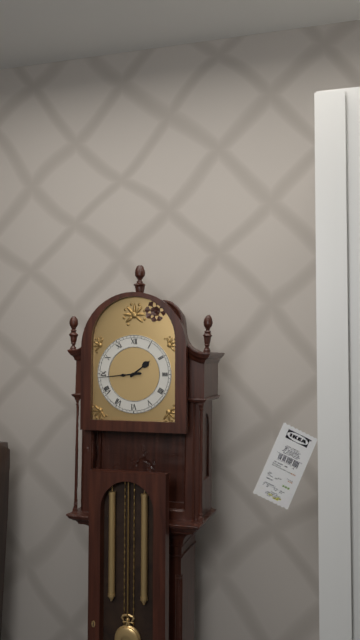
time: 1:44
